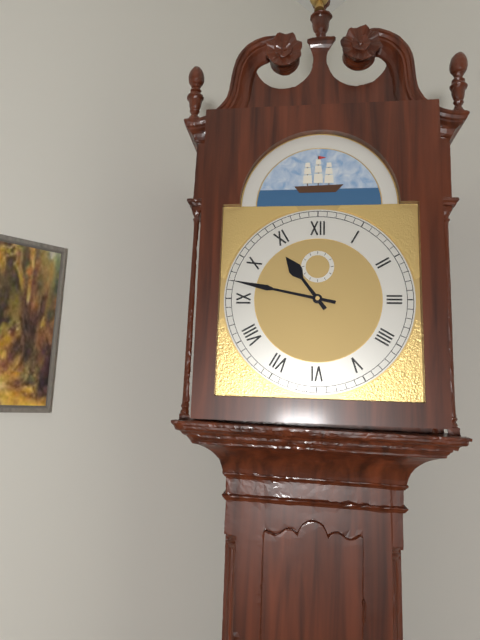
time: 10:47
